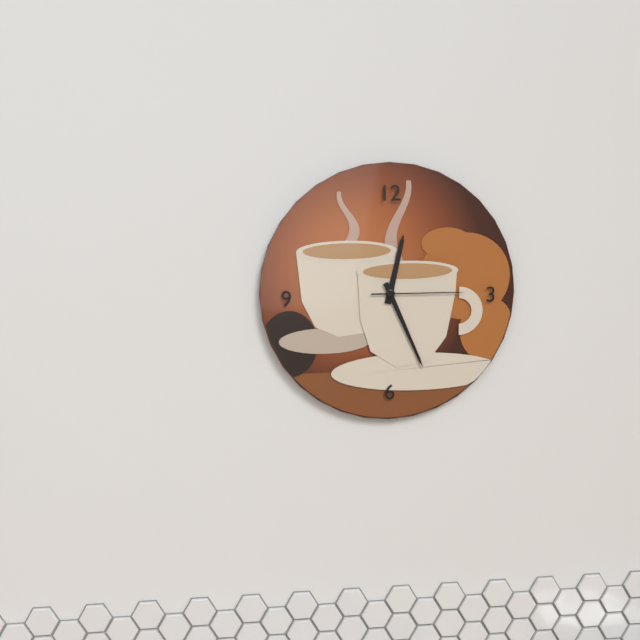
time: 12:26:15
